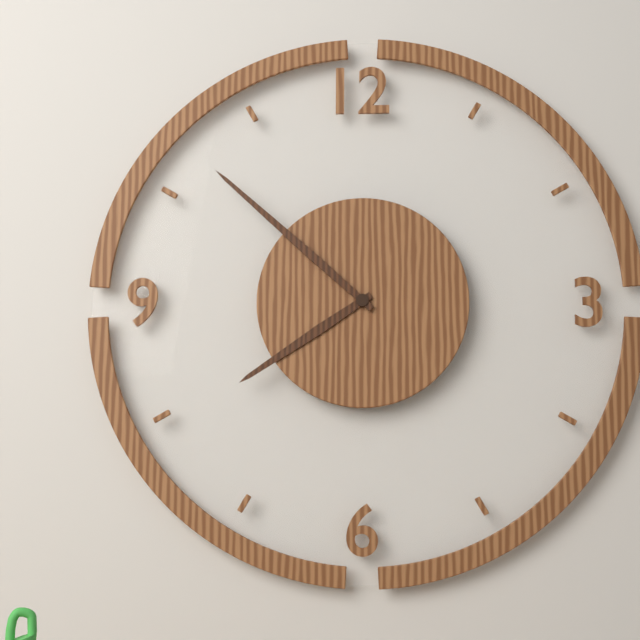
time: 7:52
